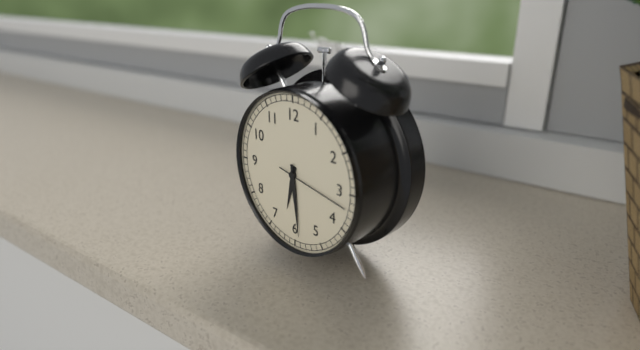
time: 6:29:17
